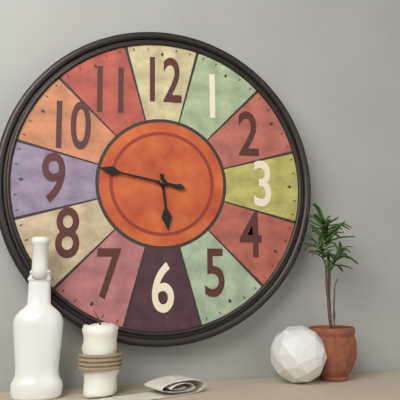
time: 5:47
